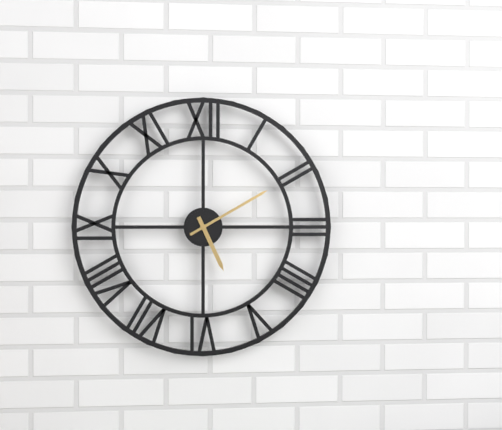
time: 5:10
